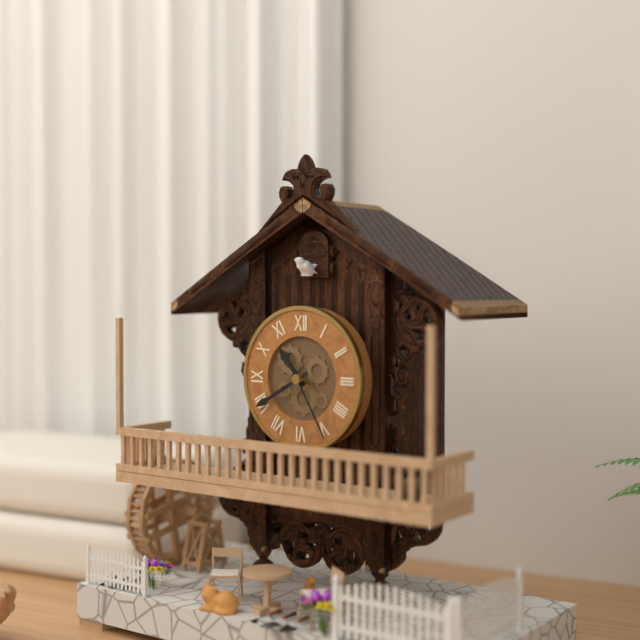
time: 10:40:25
